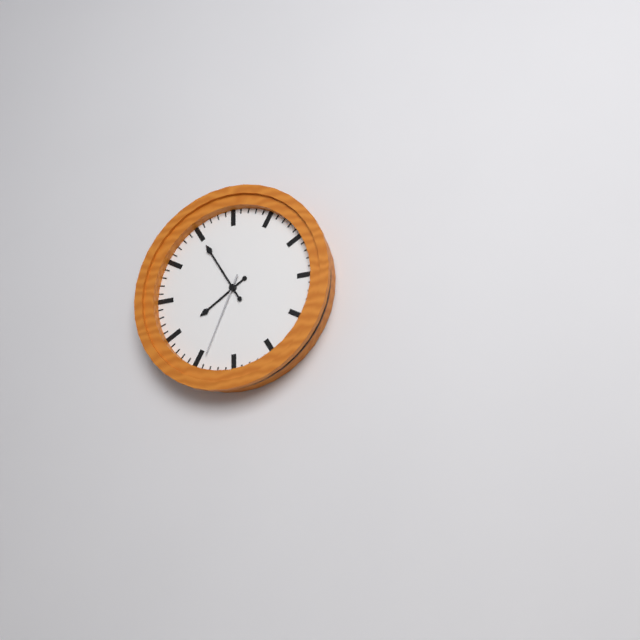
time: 7:55:34
